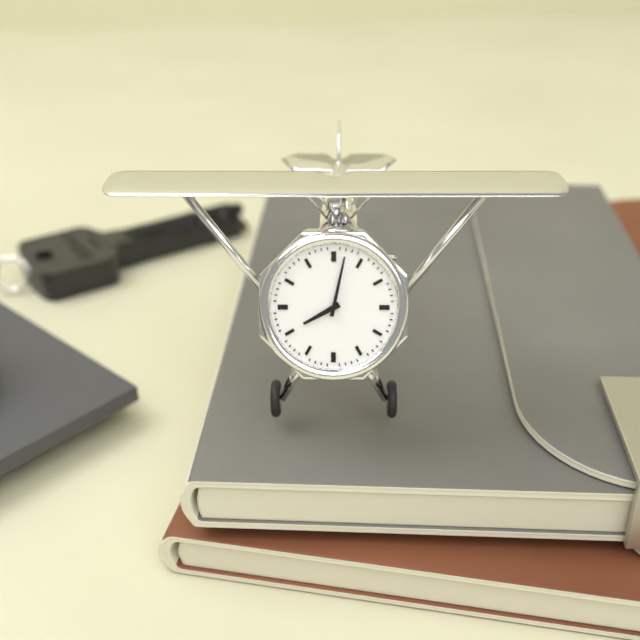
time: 8:02
